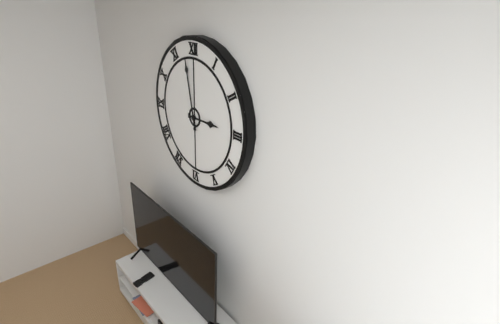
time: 2:58
